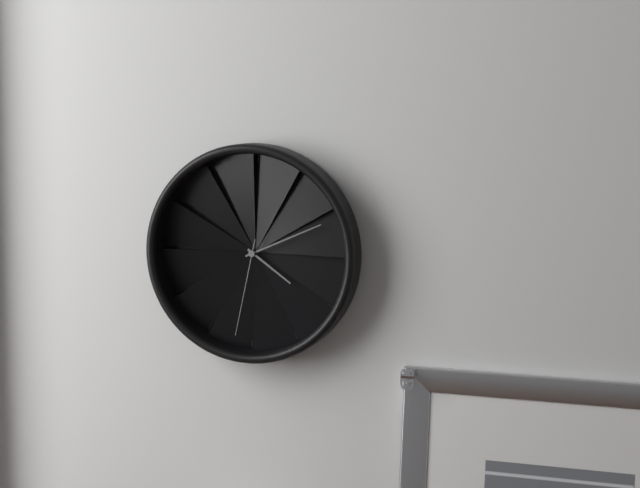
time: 4:11:32
